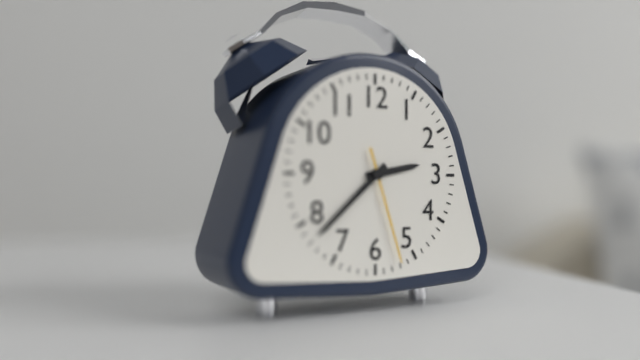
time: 2:38:27
